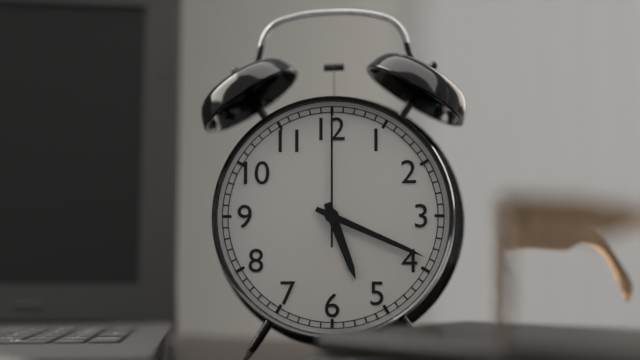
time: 5:19:00
